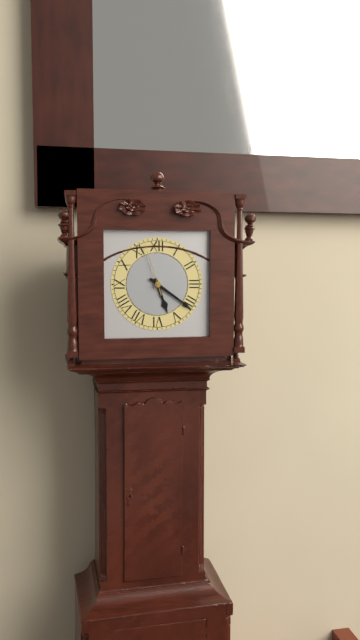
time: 5:21:57
